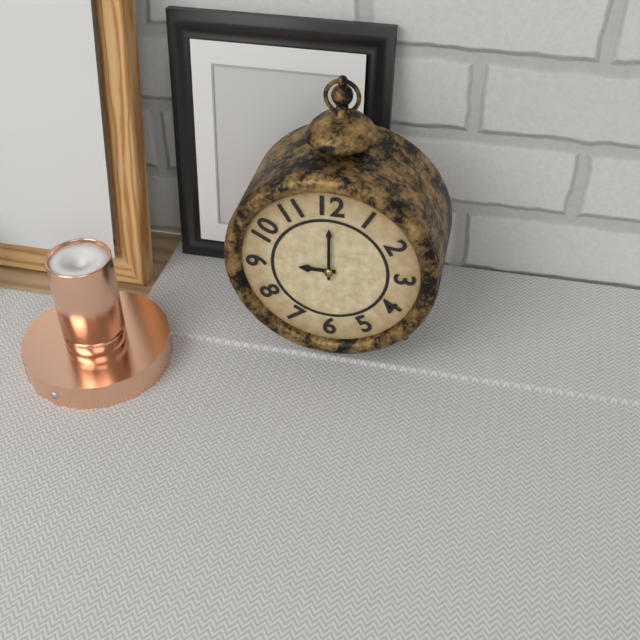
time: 9:00
